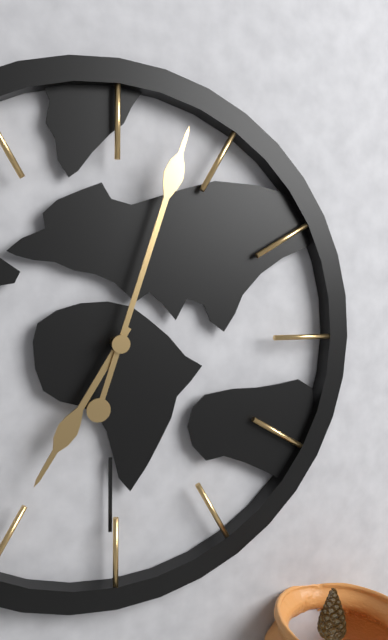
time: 7:03
